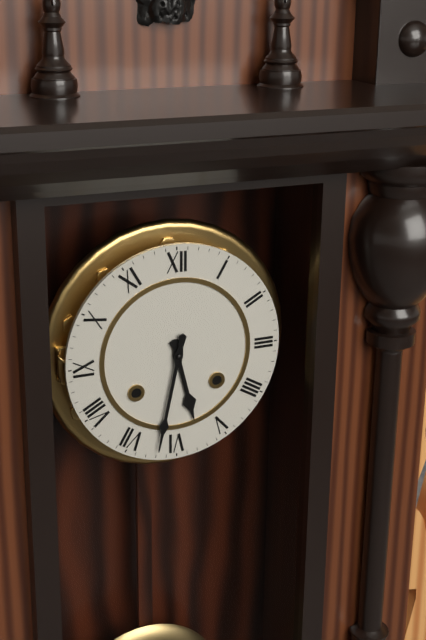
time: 5:32
